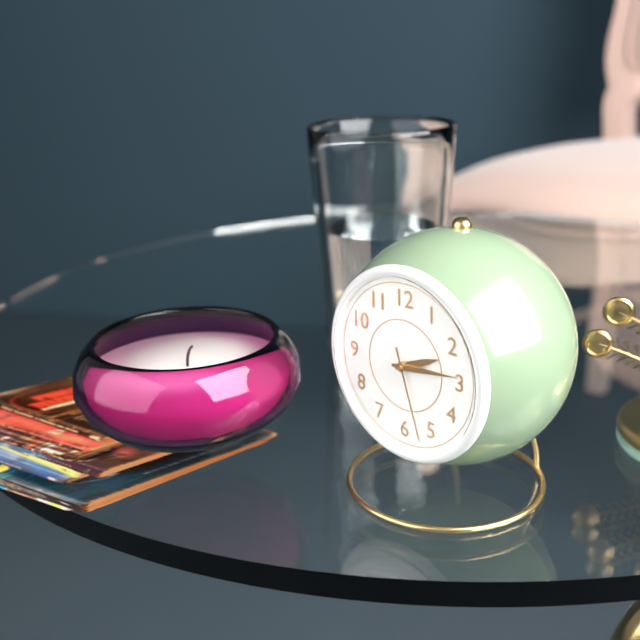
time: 2:14:27
